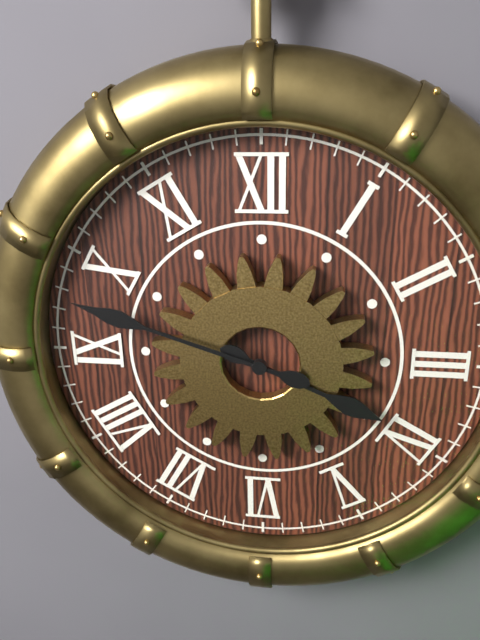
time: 3:48
